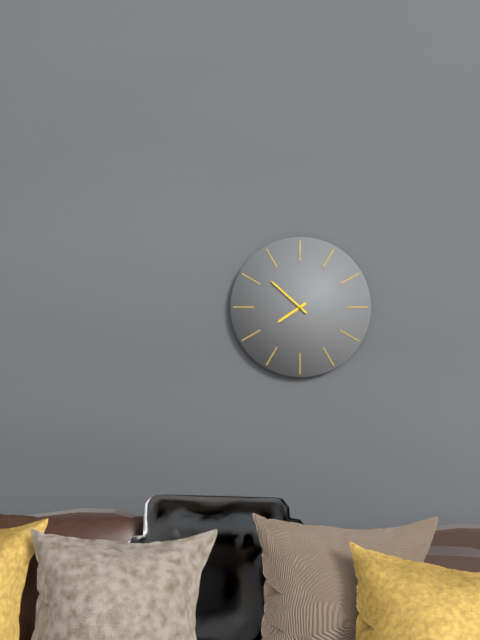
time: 7:52
